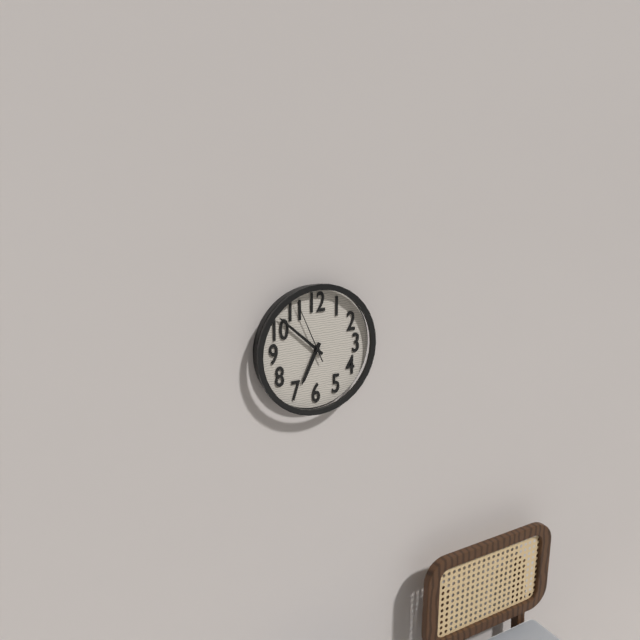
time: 6:52:56
